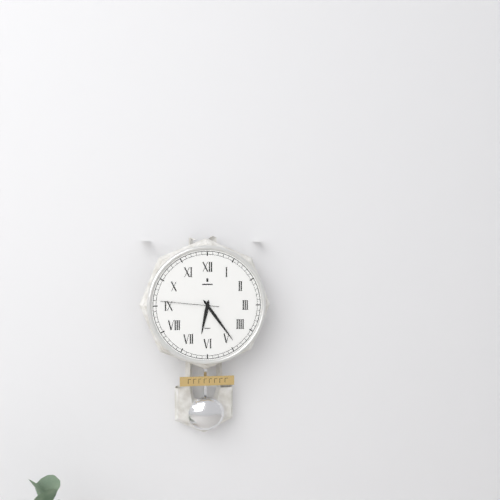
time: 6:24:46
